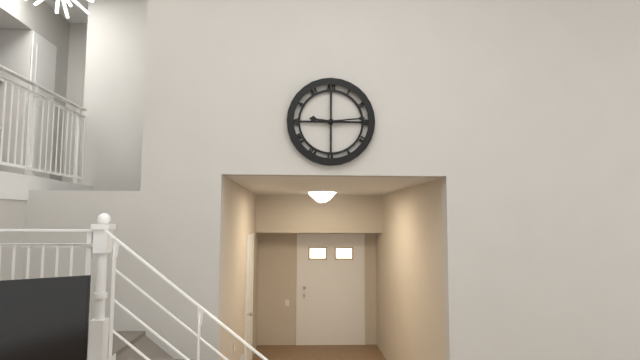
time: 9:14
